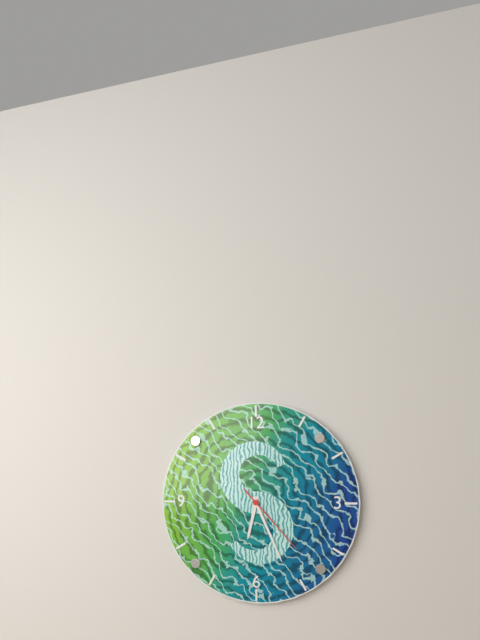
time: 6:26:23
